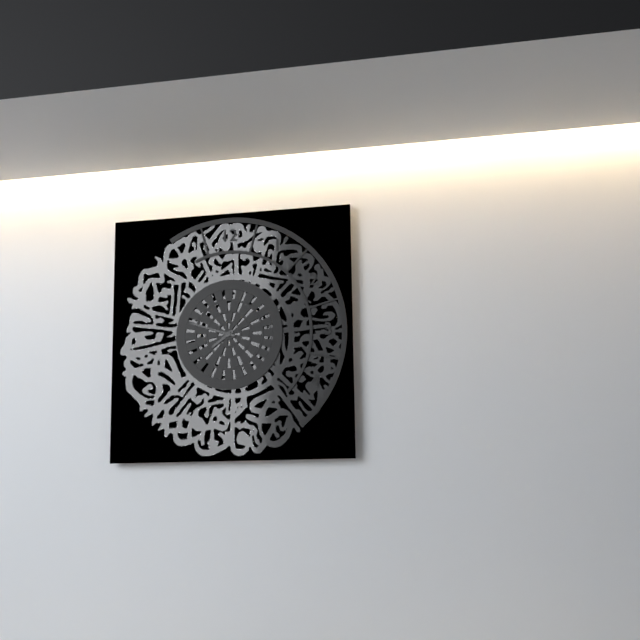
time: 7:48
